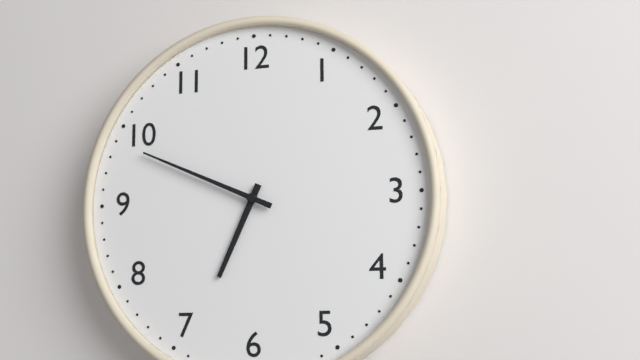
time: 6:49
